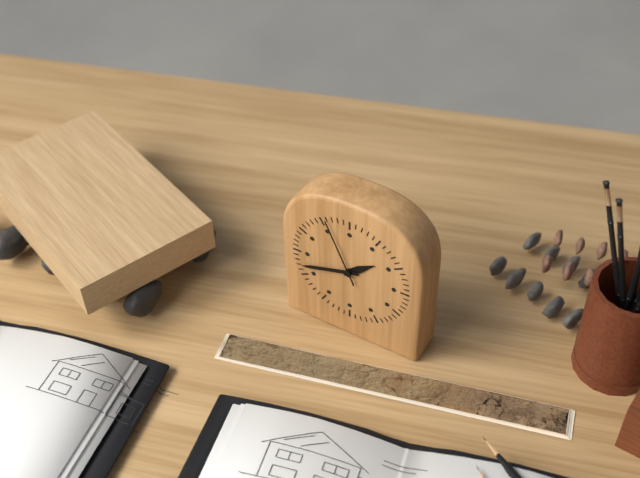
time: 1:42:56
